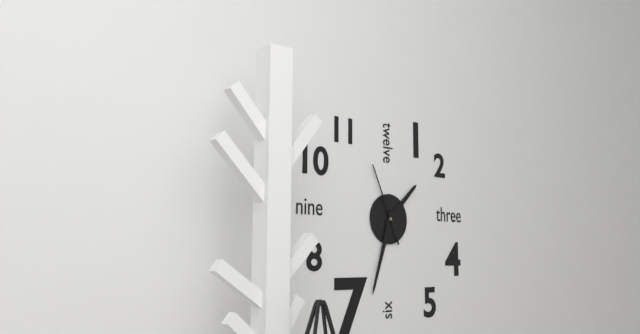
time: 1:33:56
